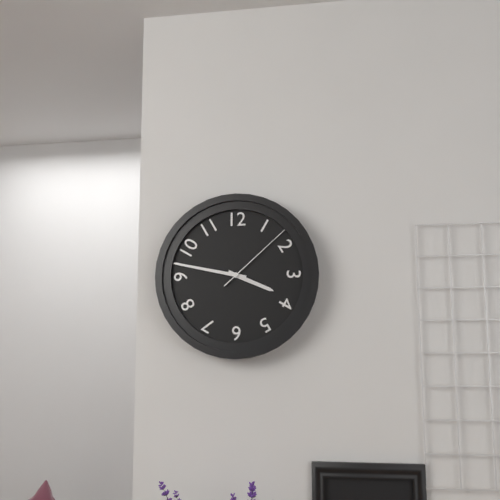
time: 3:47:08
